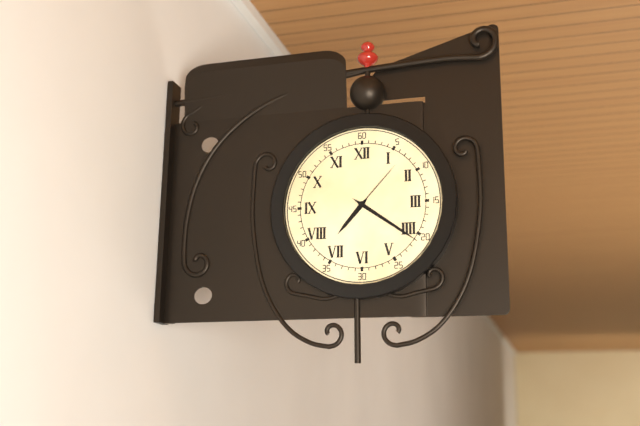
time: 7:21:07
